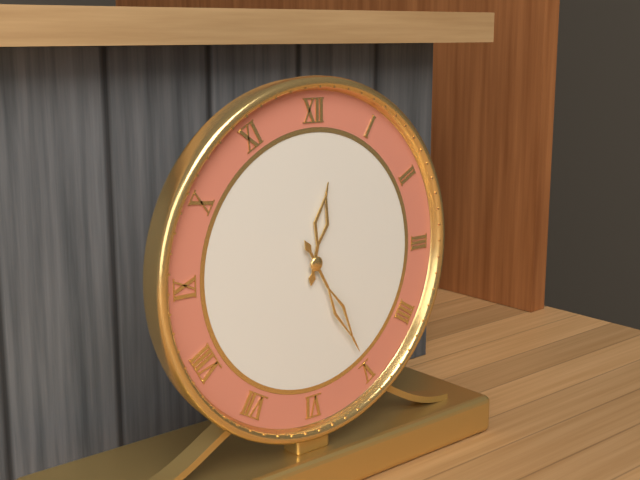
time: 12:25
